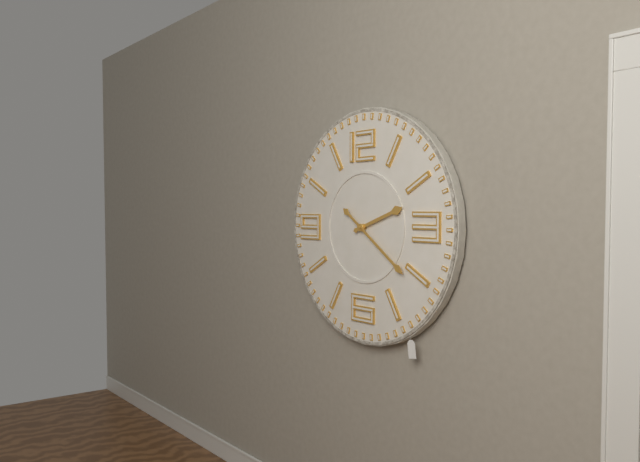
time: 2:21
